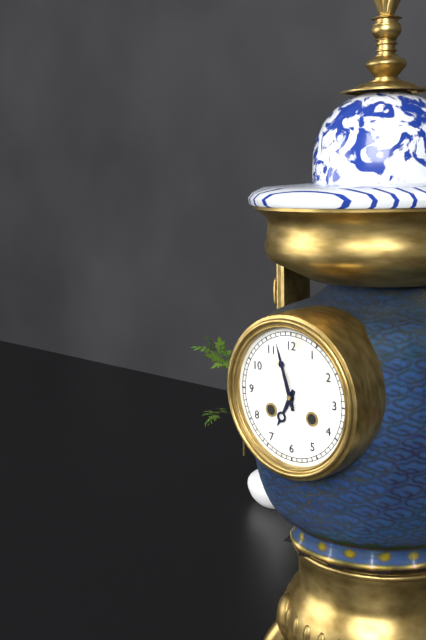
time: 6:57
